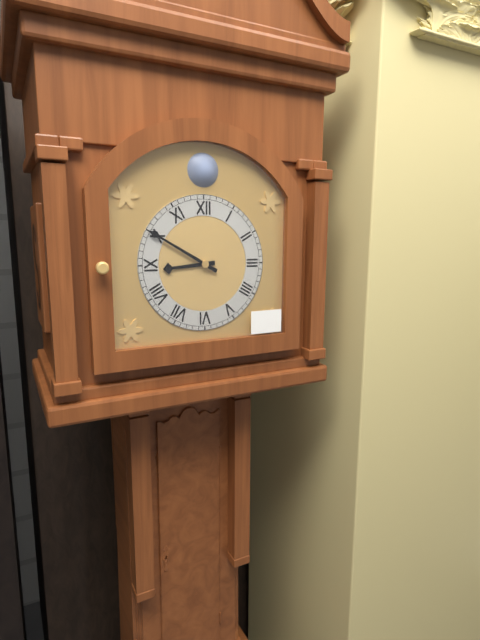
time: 8:50
